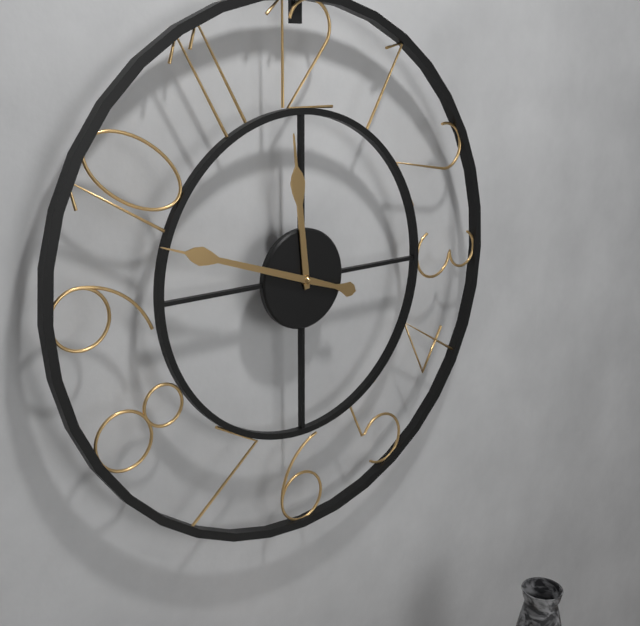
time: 11:48
